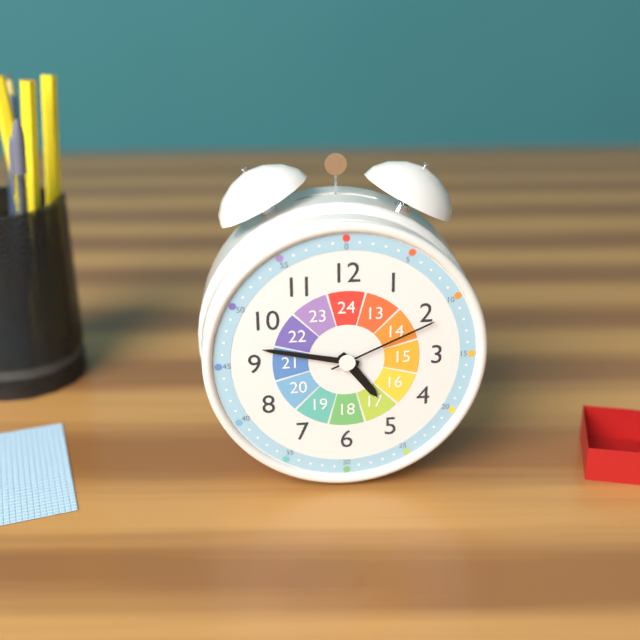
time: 4:47:11
